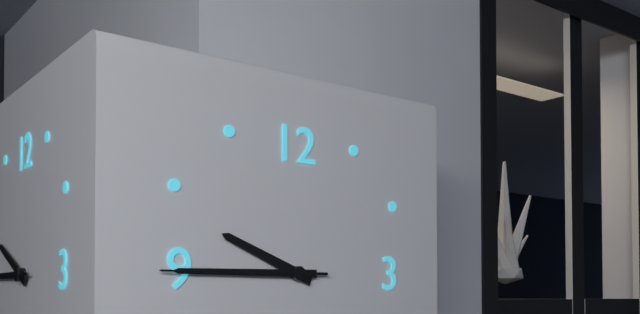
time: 9:45:45
